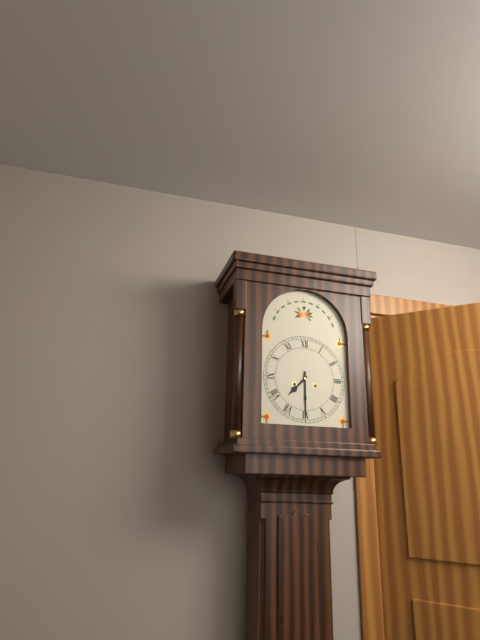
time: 7:30
